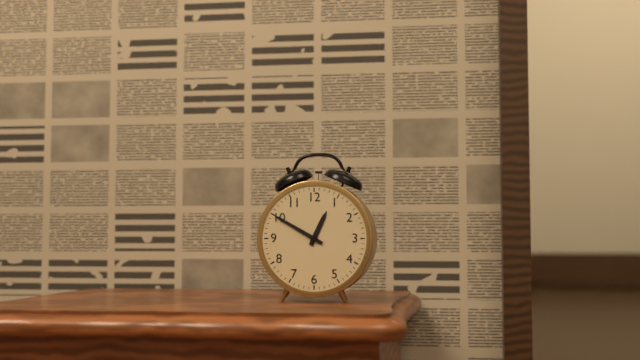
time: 12:50
